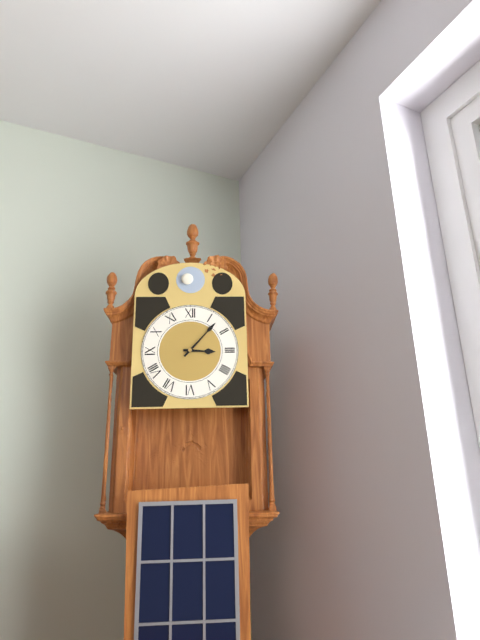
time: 3:07
